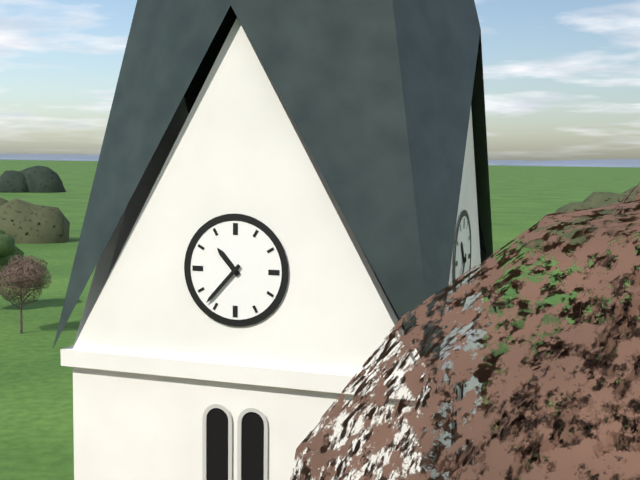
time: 10:37
